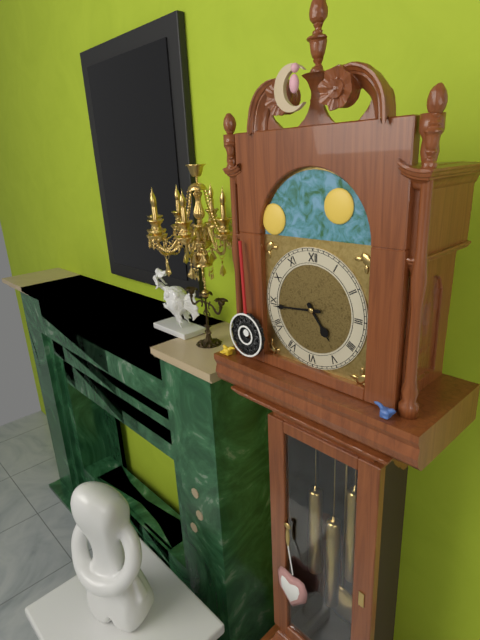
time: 4:44
